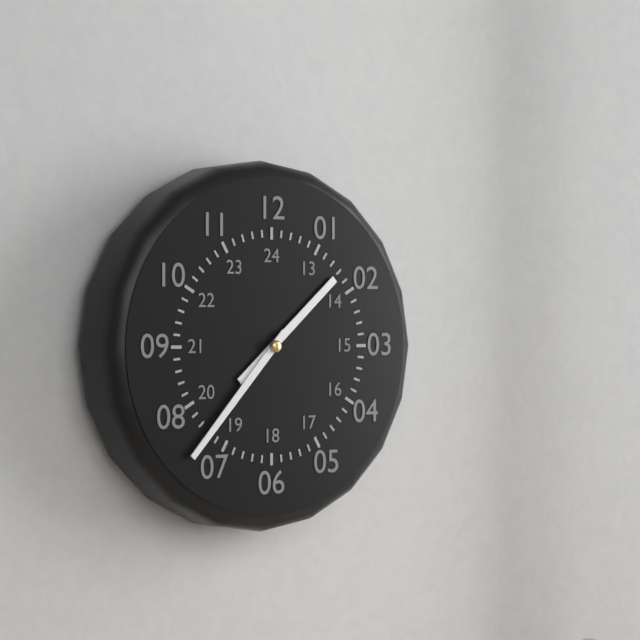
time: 1:37
